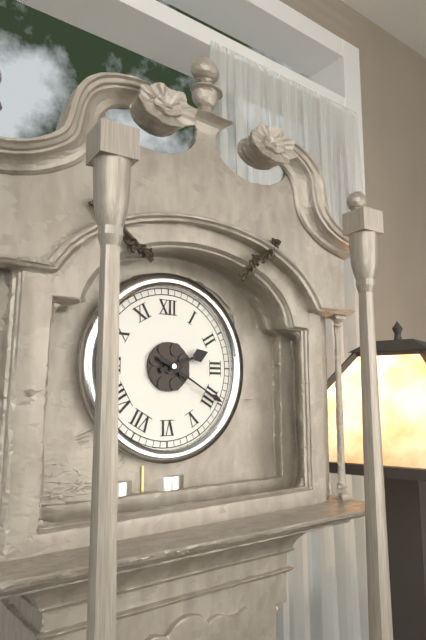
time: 2:20
